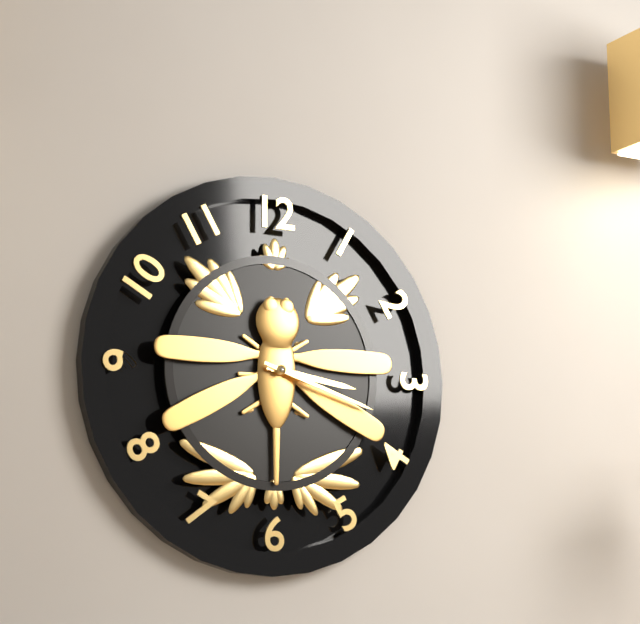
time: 3:18
